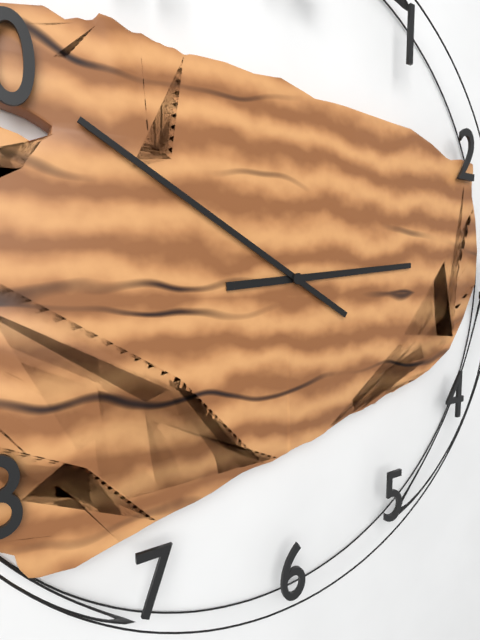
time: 2:50
